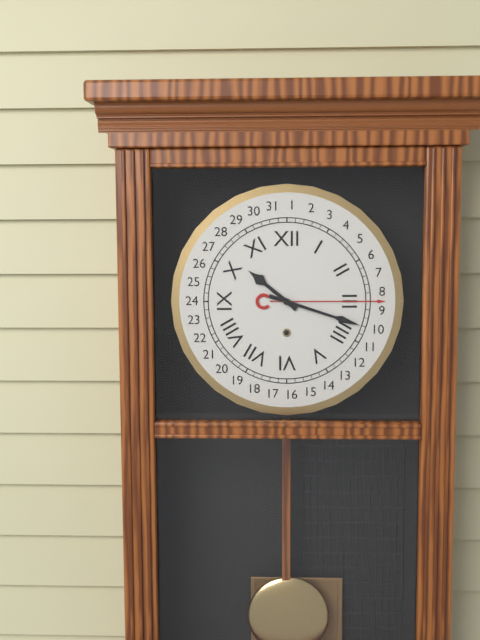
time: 10:18
